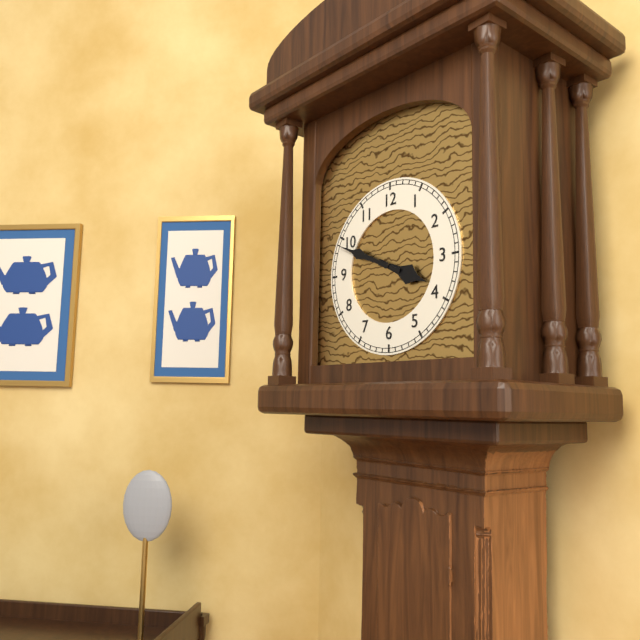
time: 3:49
